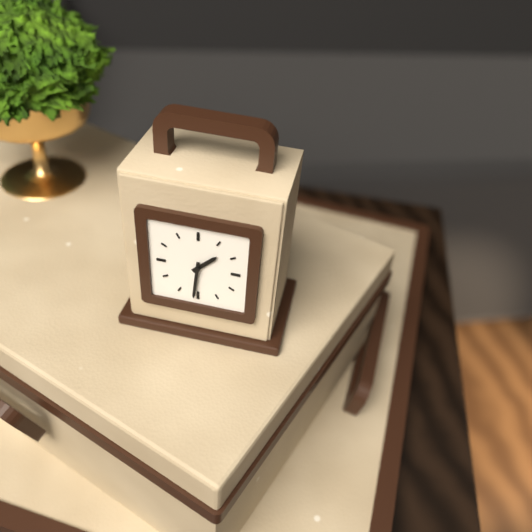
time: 1:31
